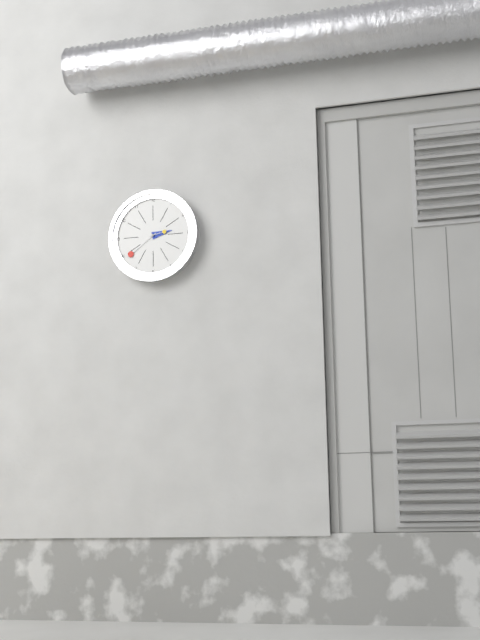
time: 2:39
